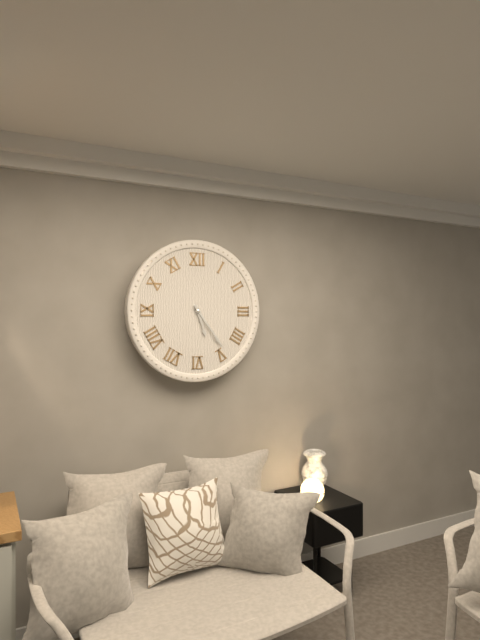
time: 5:24
